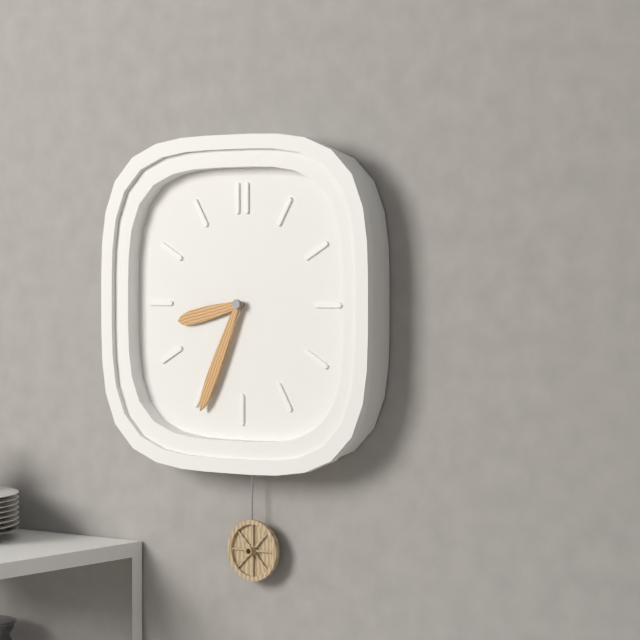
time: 8:34
